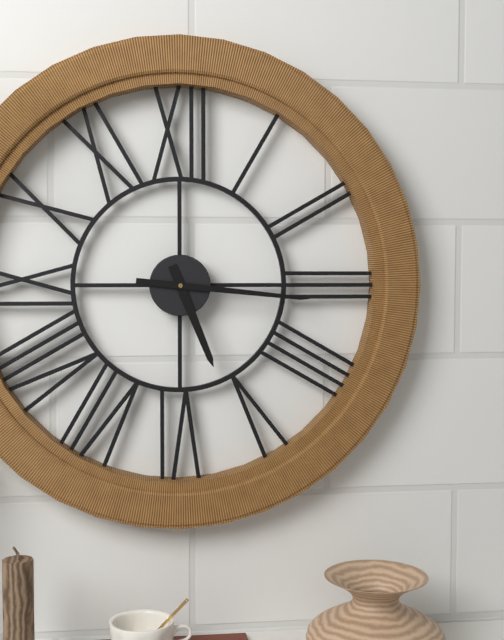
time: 5:16
